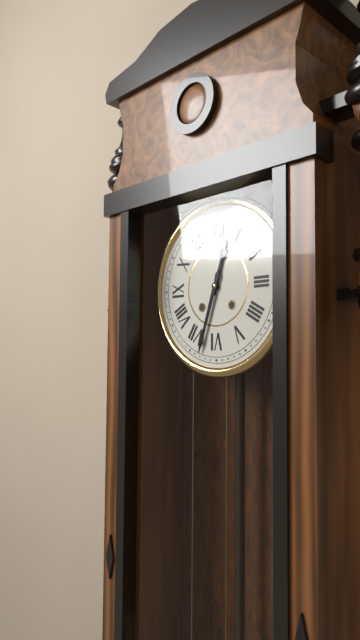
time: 12:33
